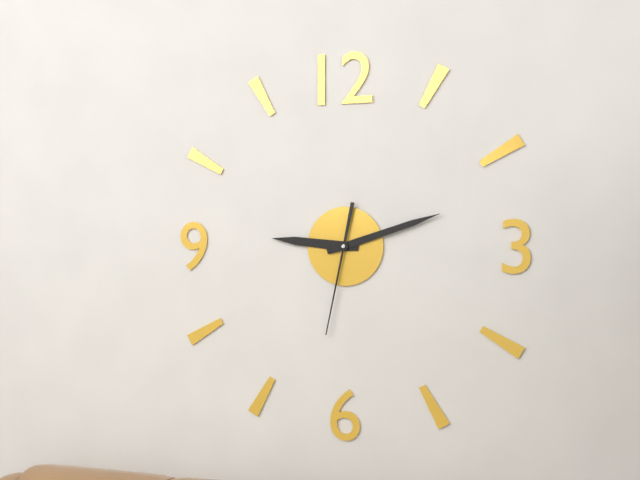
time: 9:12:32
